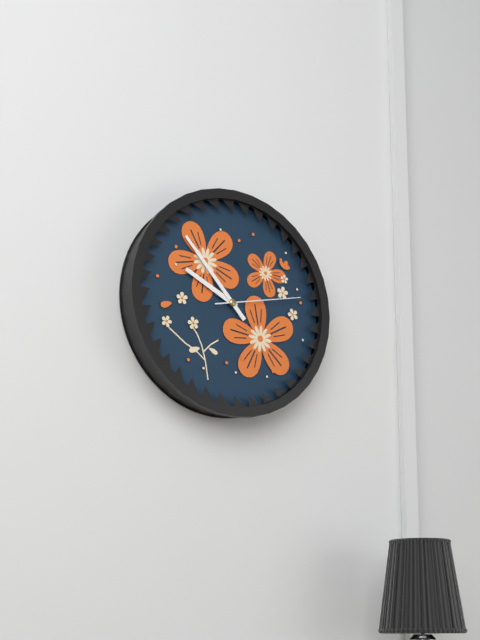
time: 9:53:13
